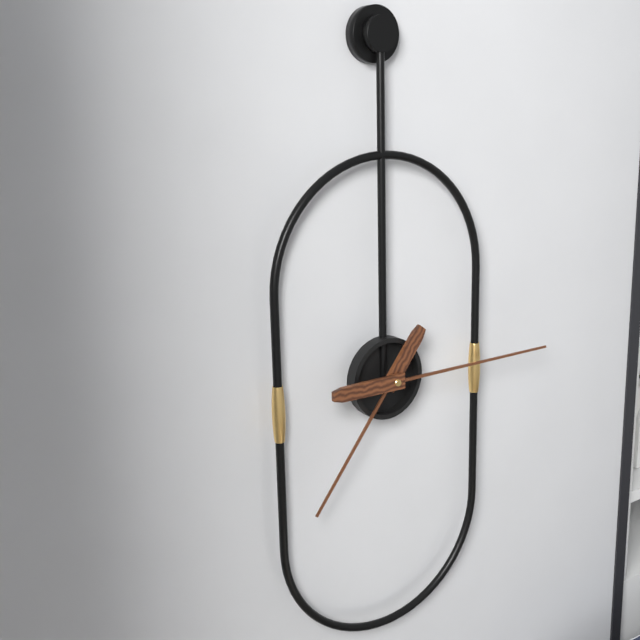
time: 7:15
